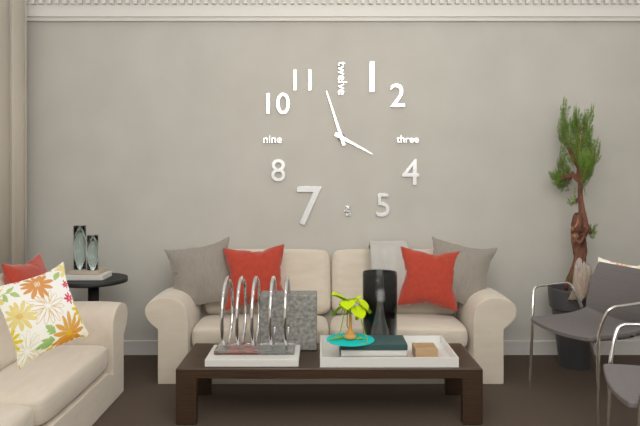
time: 3:57
